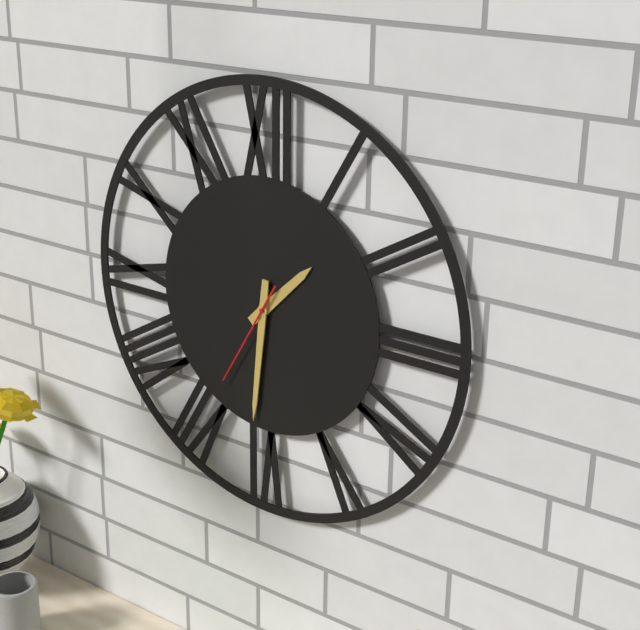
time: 1:31:35
